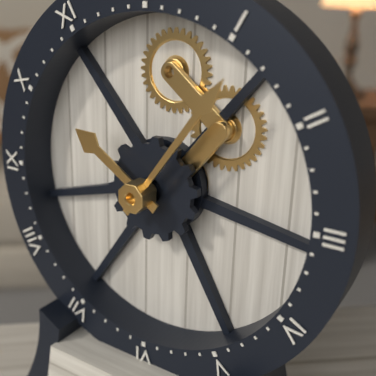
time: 10:06
